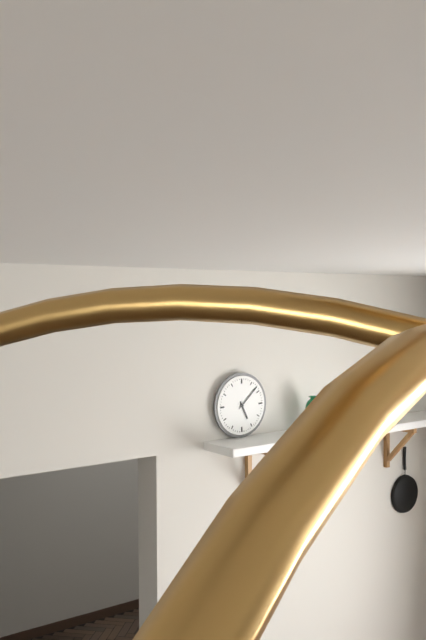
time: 5:08
